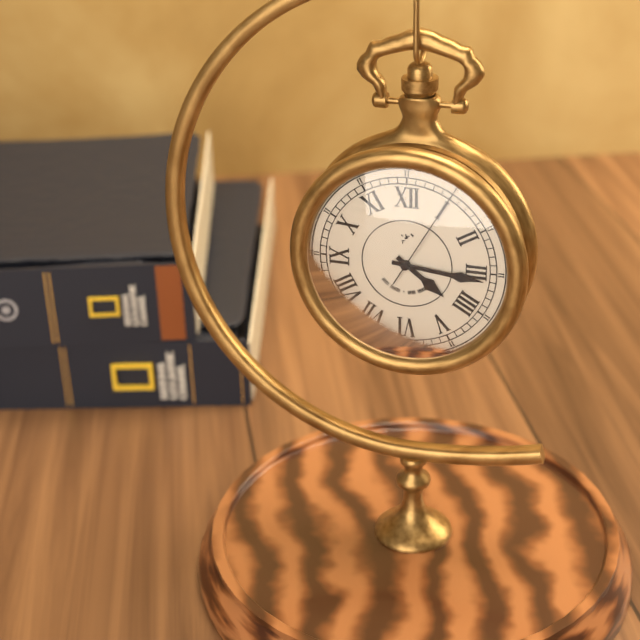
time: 4:16:05
